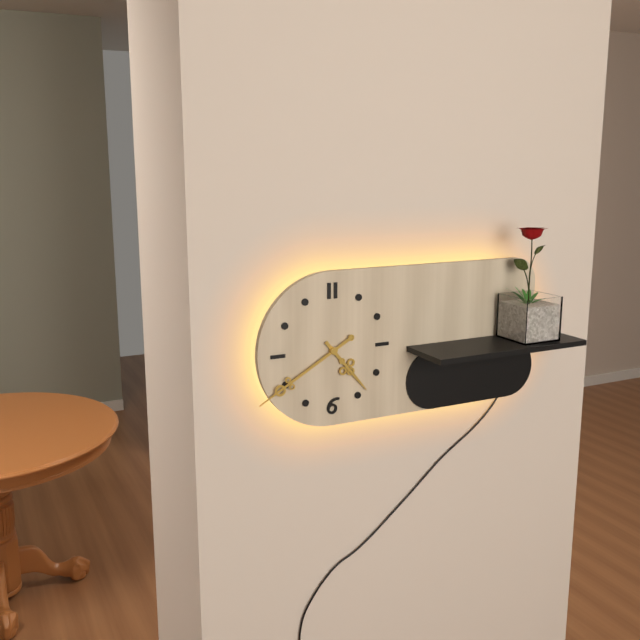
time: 4:40
